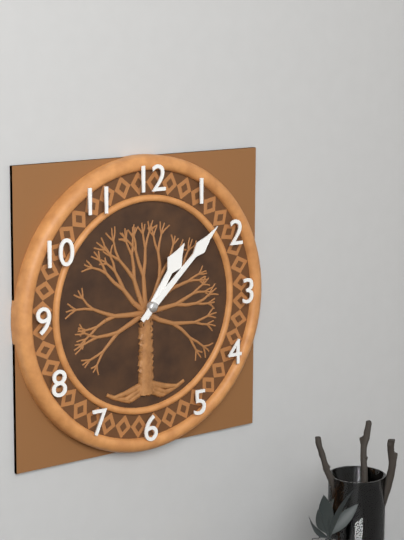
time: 1:08
